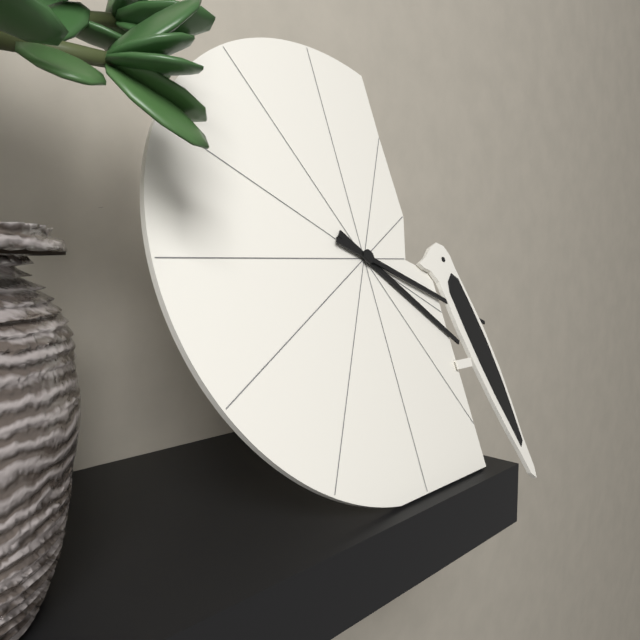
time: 4:19
